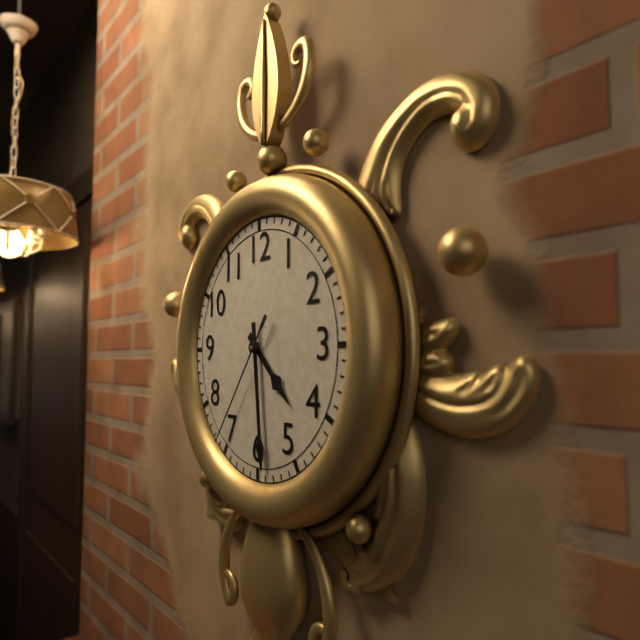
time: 4:29:36
